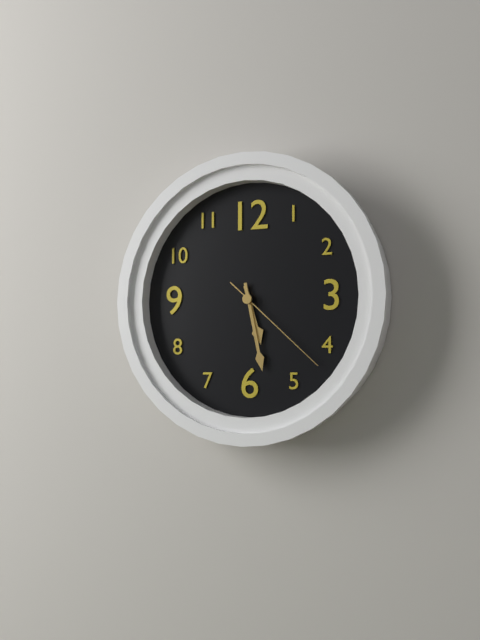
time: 5:28:22
